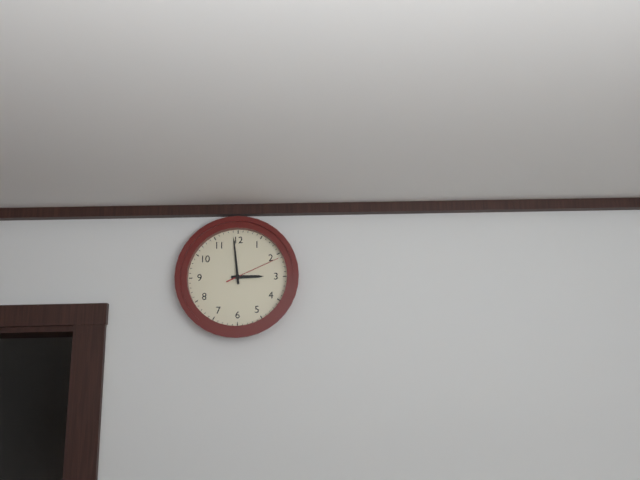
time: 2:59:11
